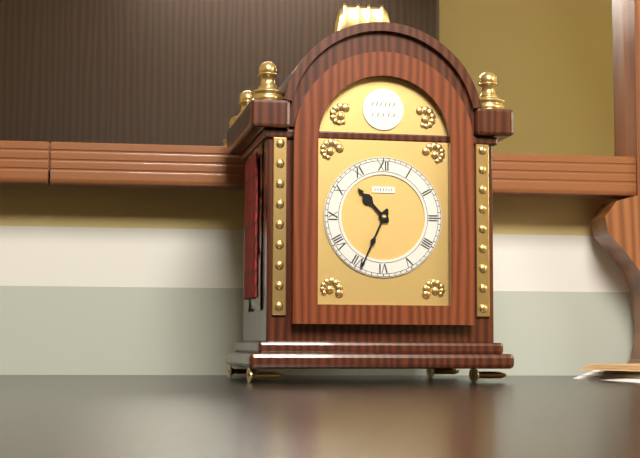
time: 10:34
